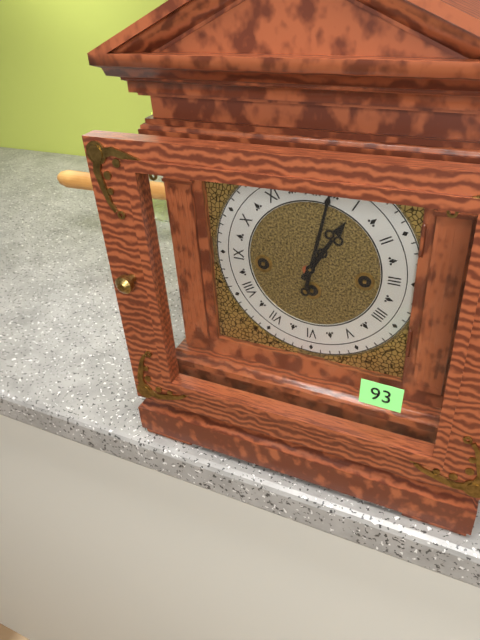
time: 1:02
